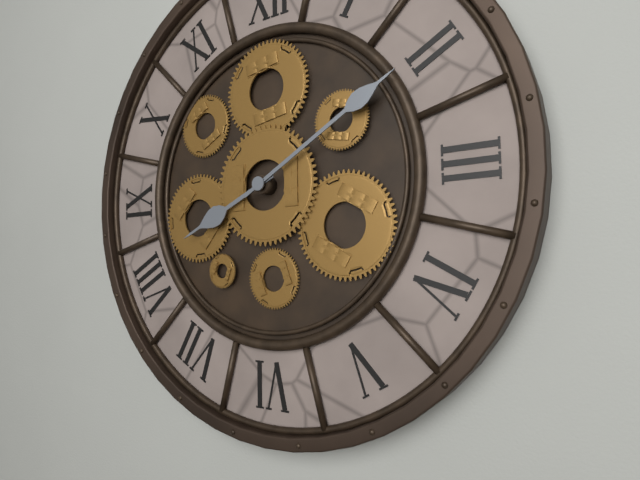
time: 8:10
